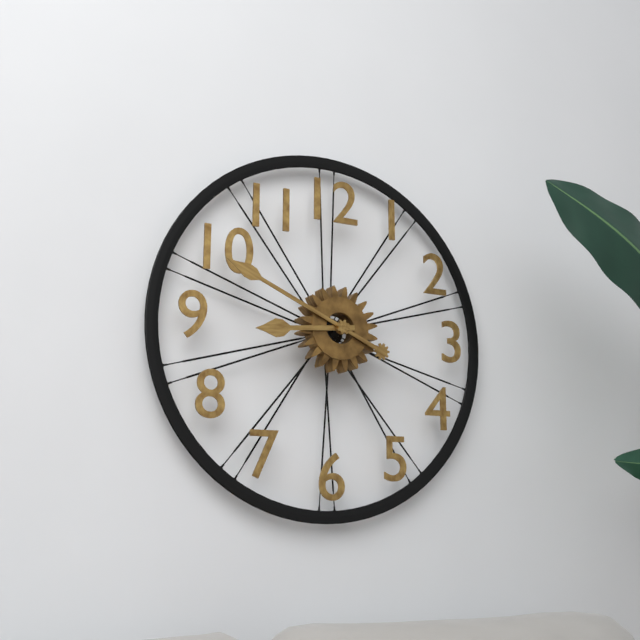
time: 8:49
